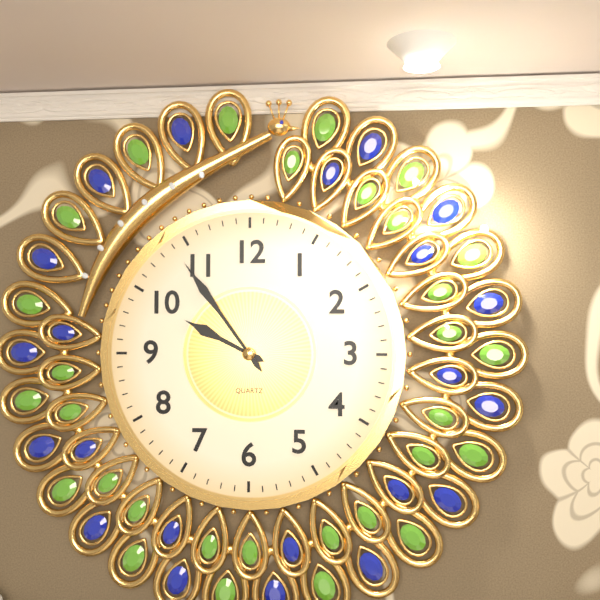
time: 9:54
